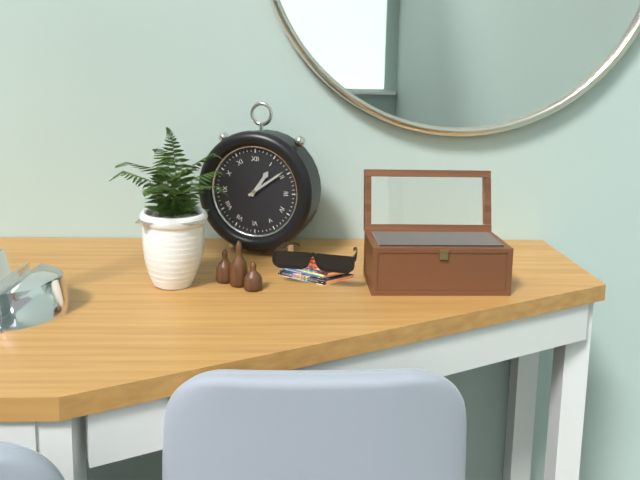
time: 1:09
